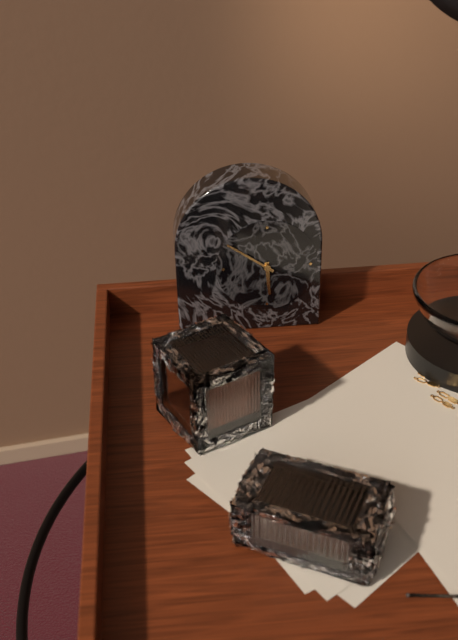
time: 5:51
